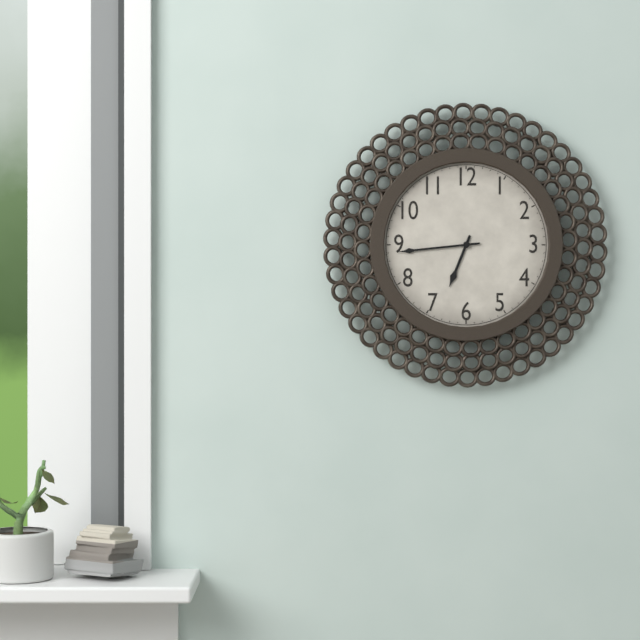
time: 6:44
